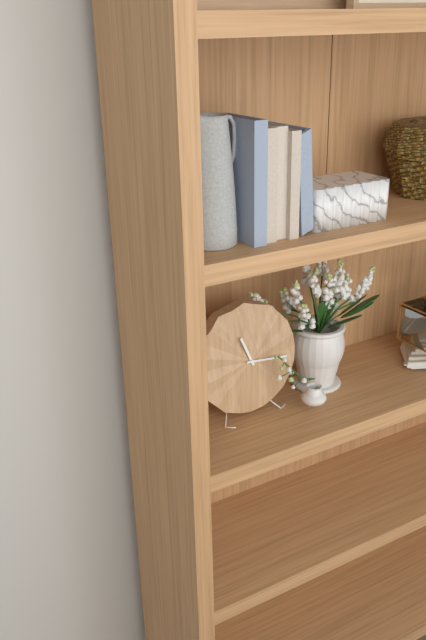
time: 11:16
